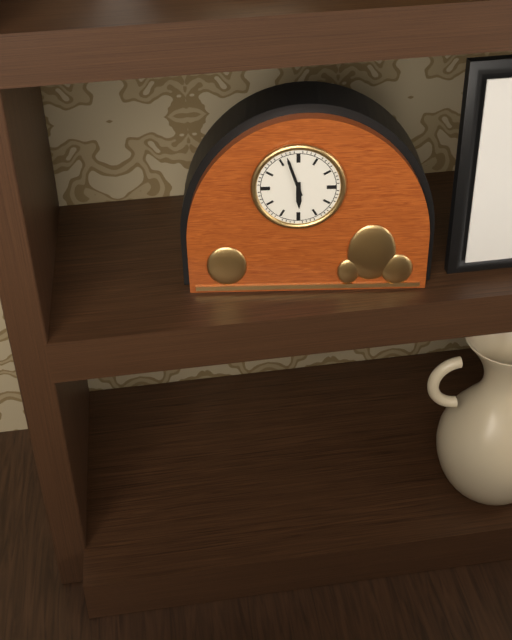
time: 5:57
